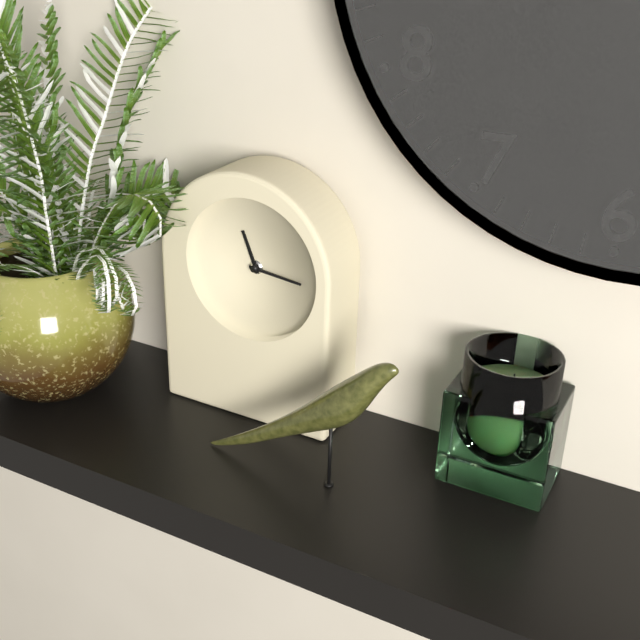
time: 11:16
